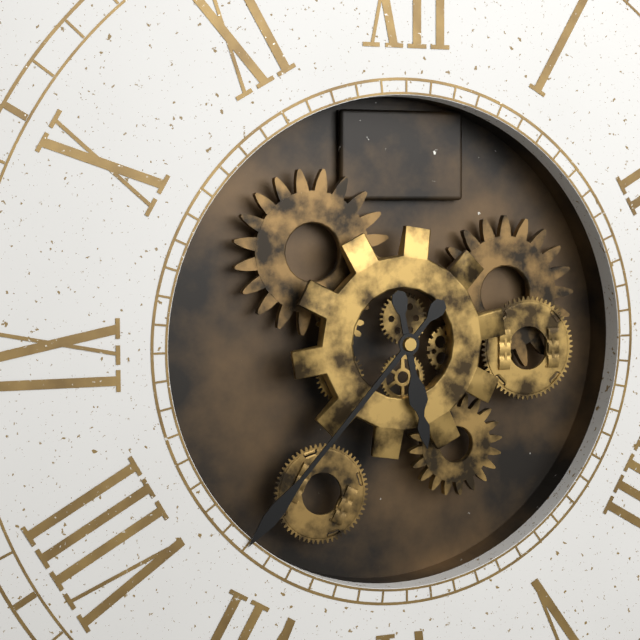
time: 5:37
